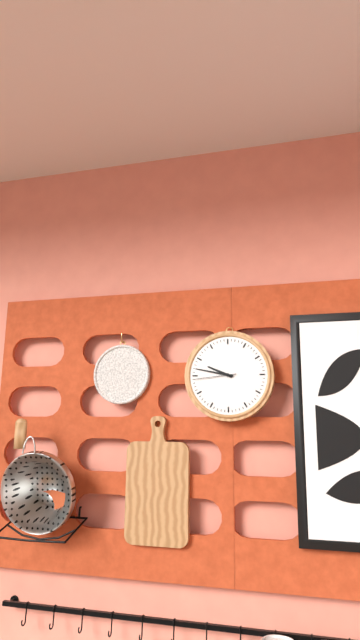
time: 9:47
